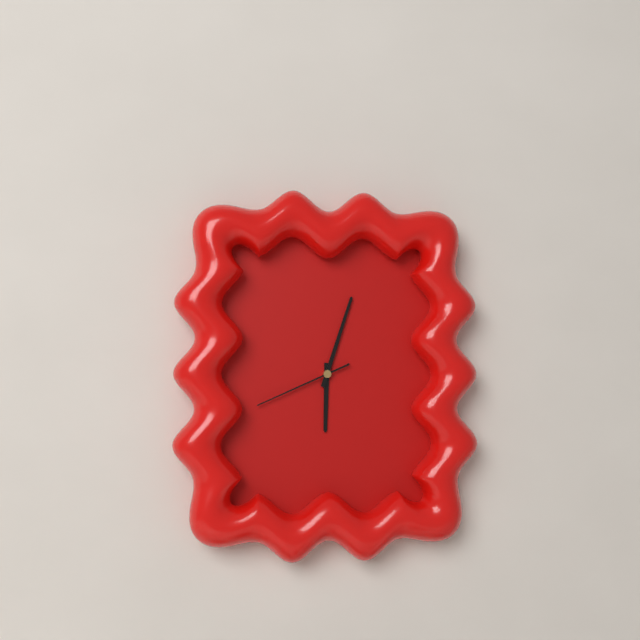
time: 6:03:41
